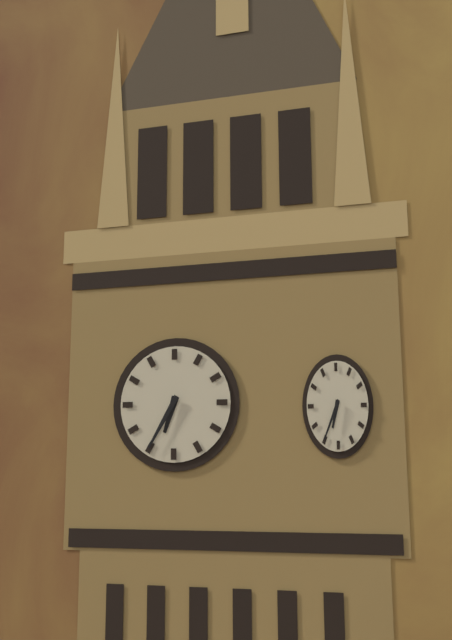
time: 6:35
